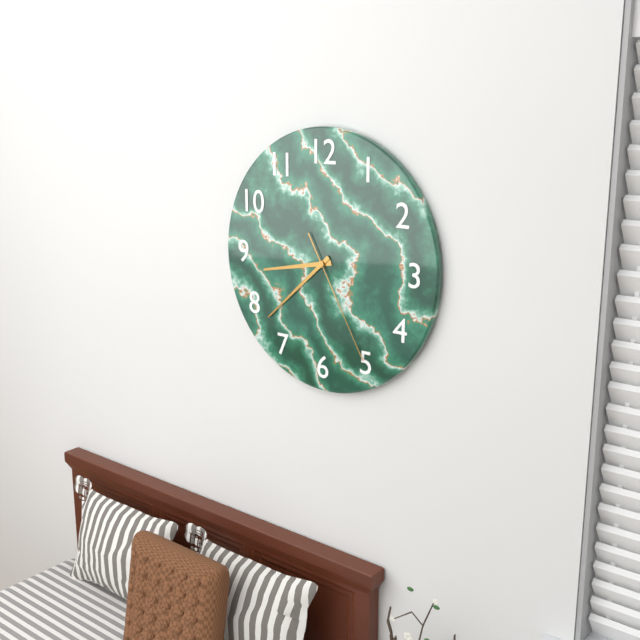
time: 8:38:25
